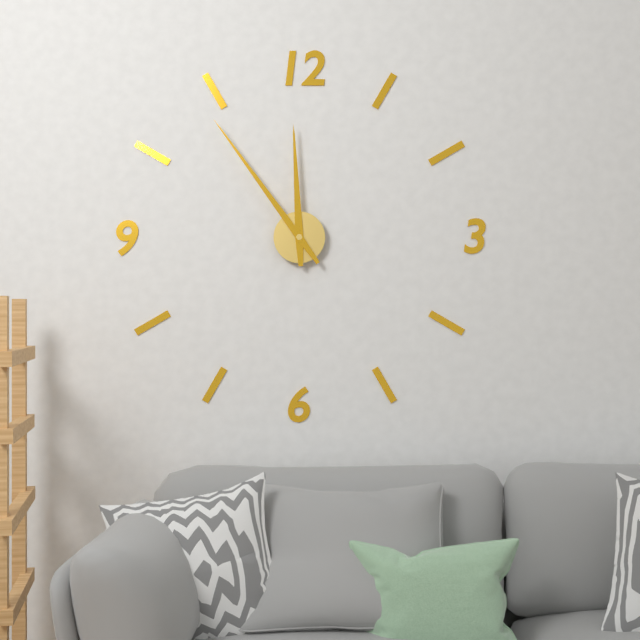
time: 11:54
